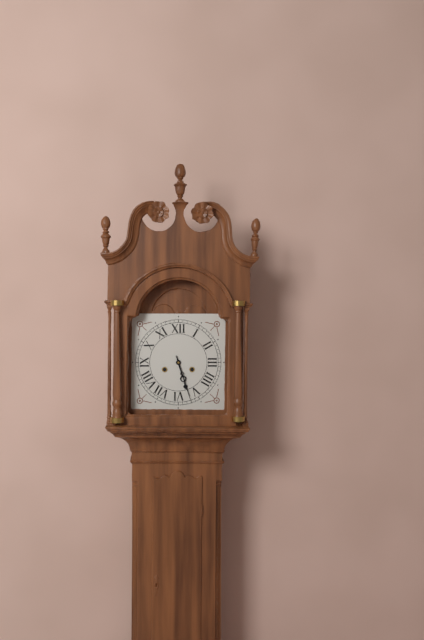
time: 5:27
